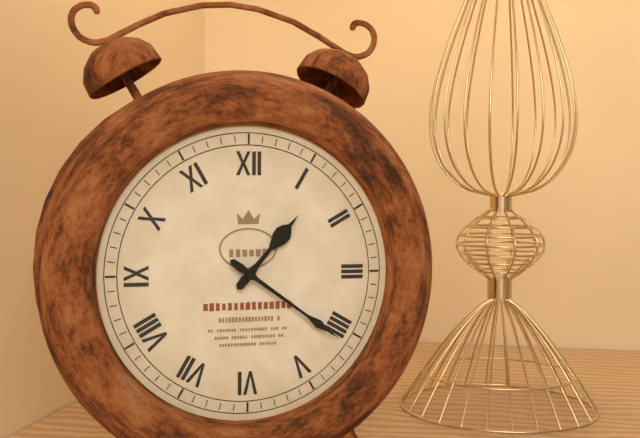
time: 1:21
